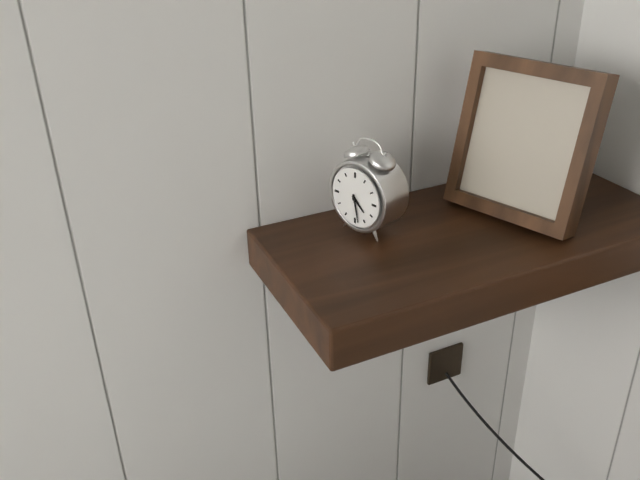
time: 4:28
